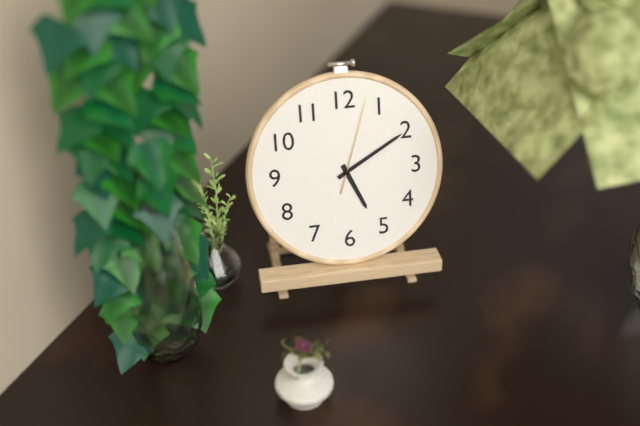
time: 5:10:03
